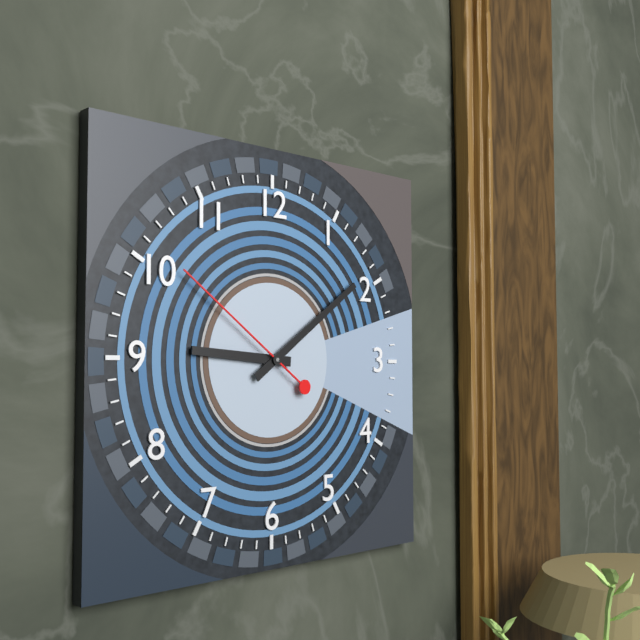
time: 9:09:51
